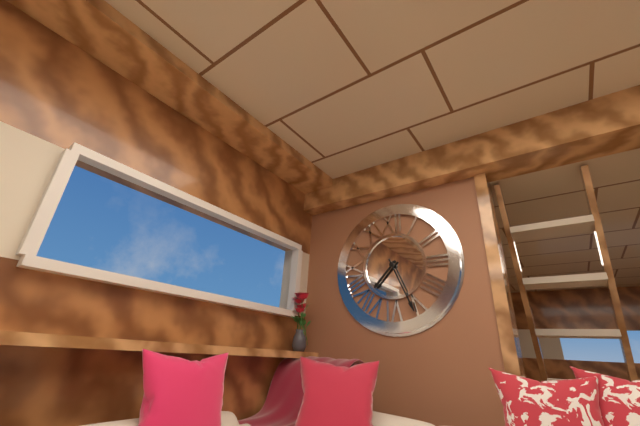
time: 7:26
